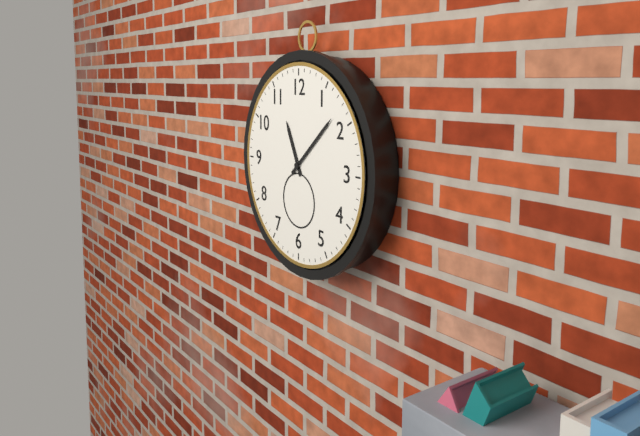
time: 11:08
